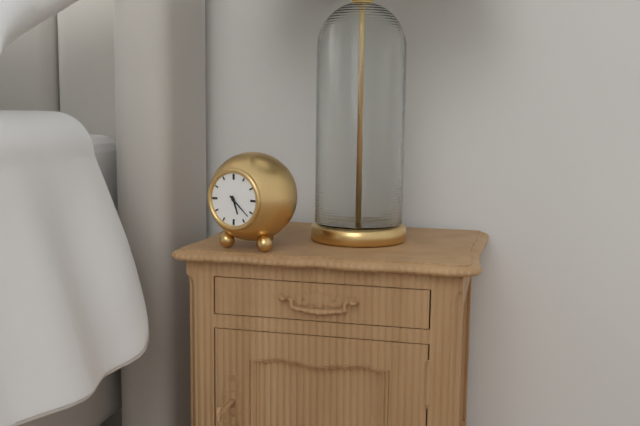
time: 5:22
